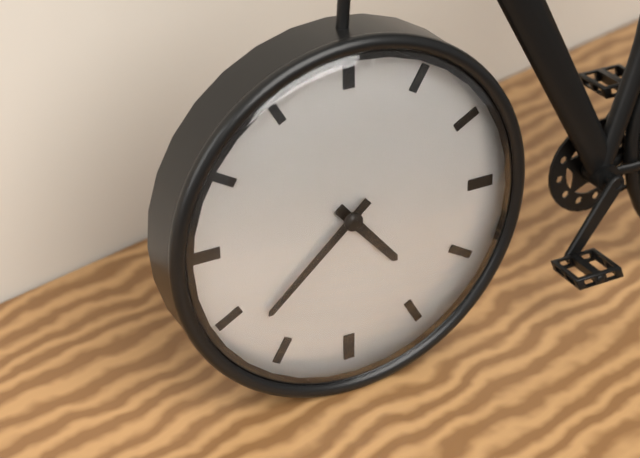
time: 4:38
